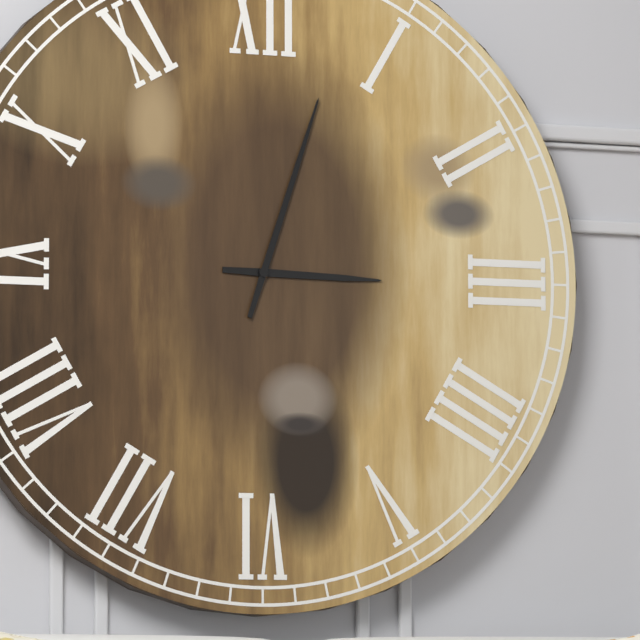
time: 3:03
